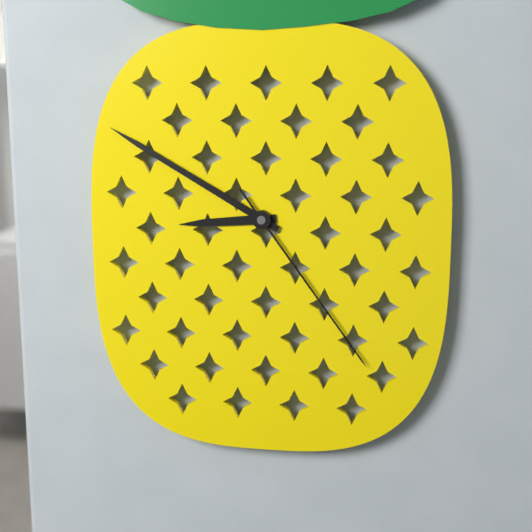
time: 8:50:24
